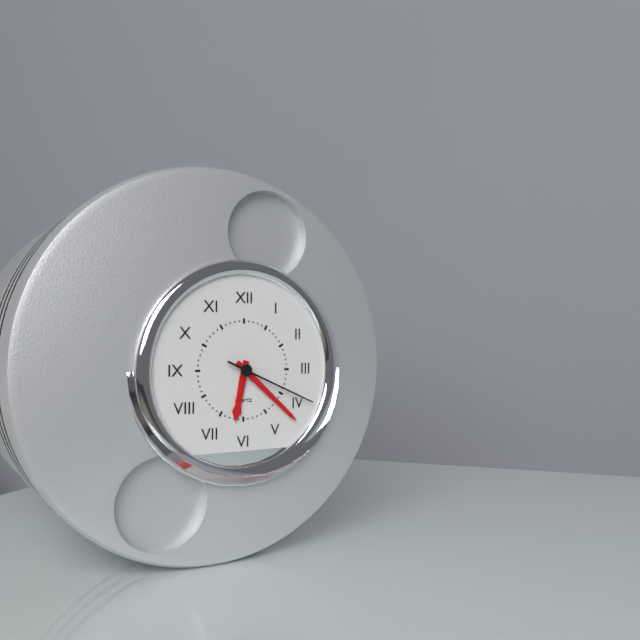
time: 6:22:19
